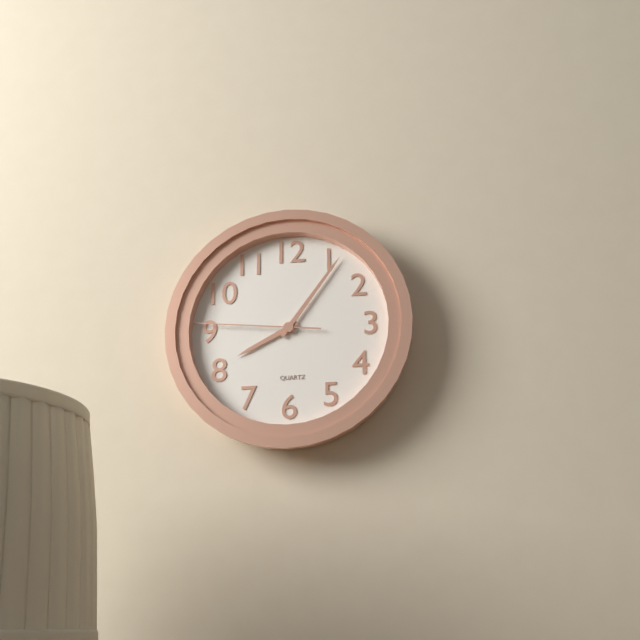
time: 8:06:46
